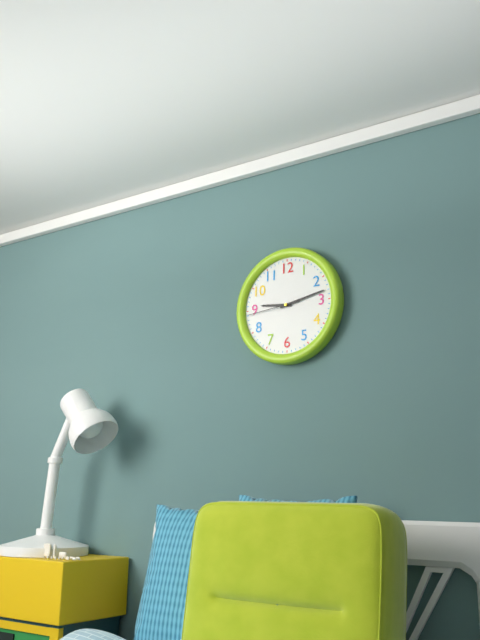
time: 9:13:44
